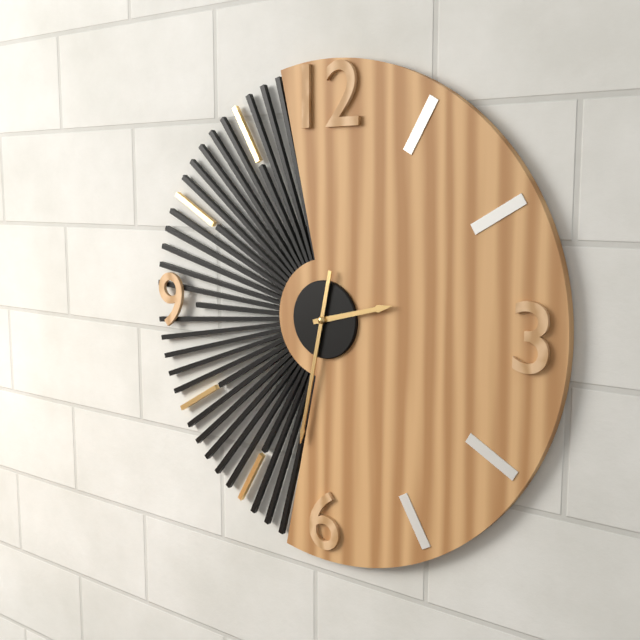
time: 2:32
